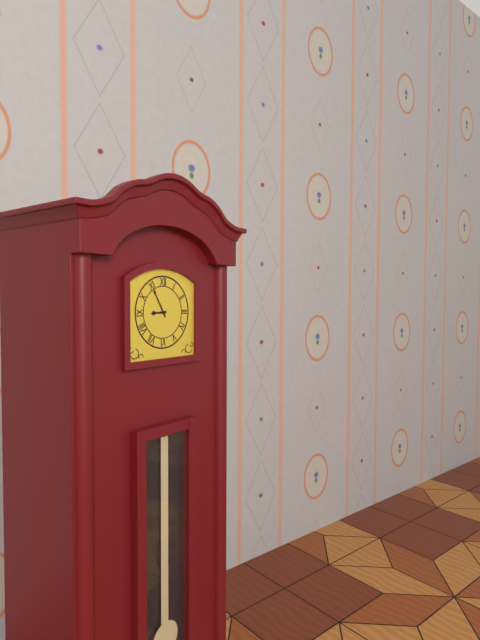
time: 8:55
